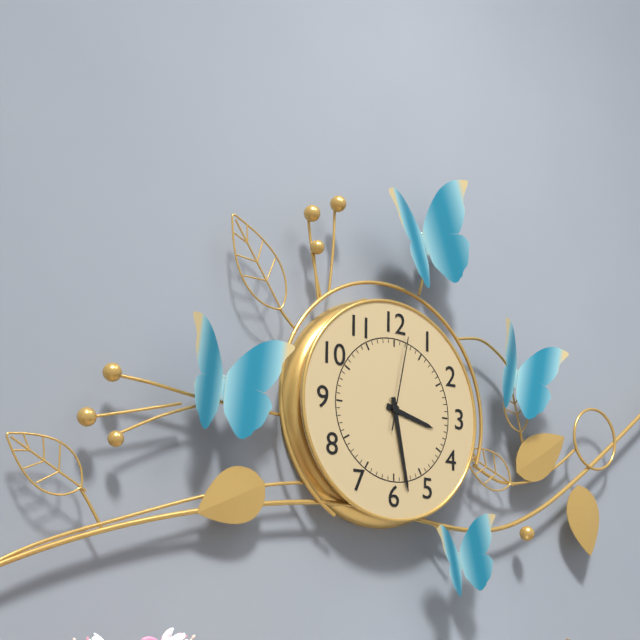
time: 3:28:02
